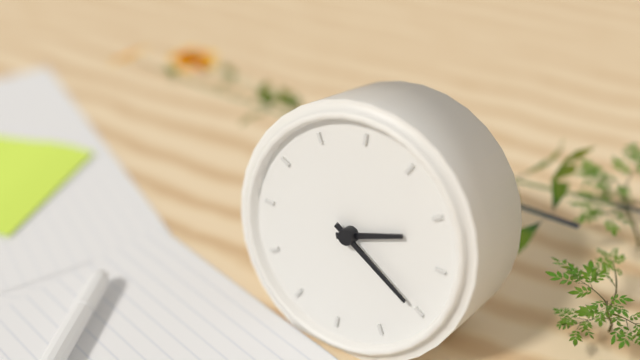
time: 2:20
